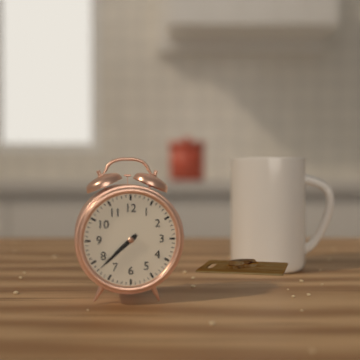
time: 7:38
